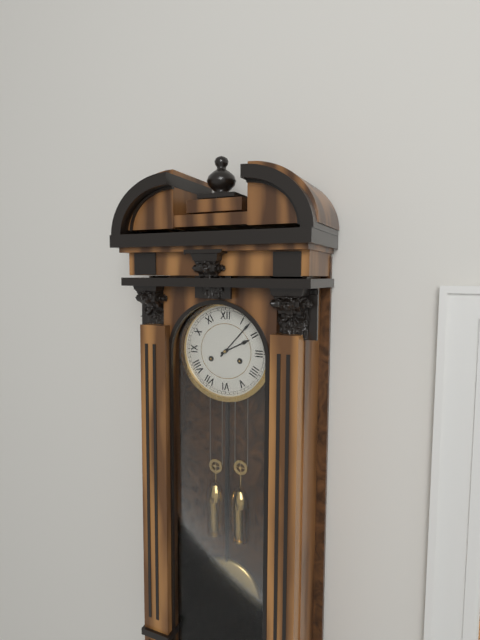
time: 2:07
